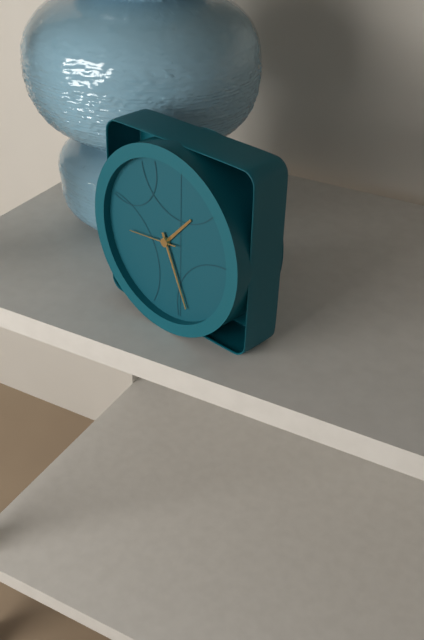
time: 1:26
